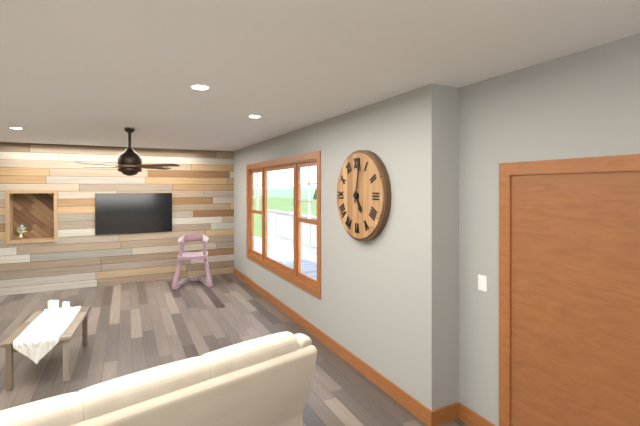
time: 5:02
